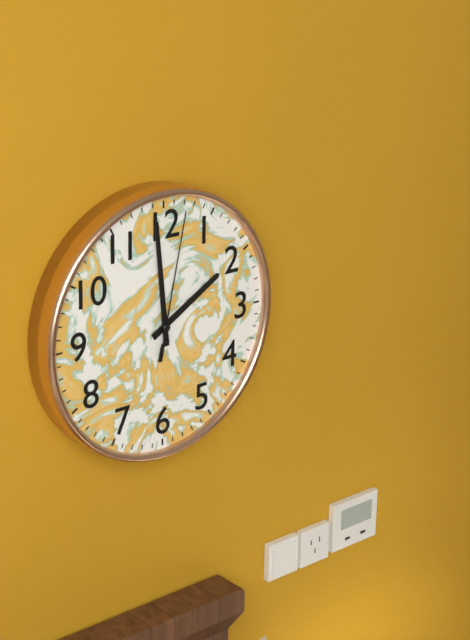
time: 1:59:02
